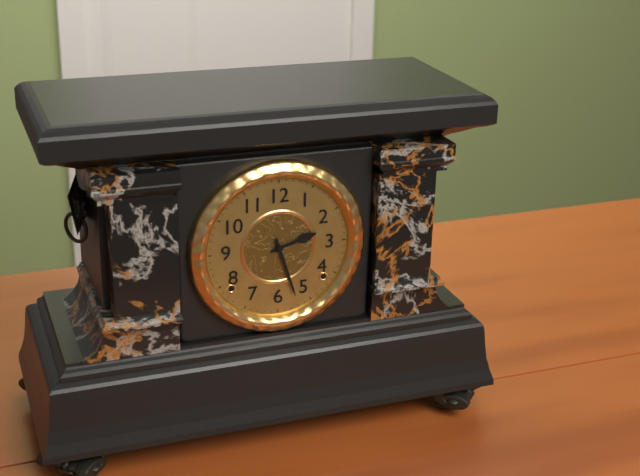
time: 2:27
